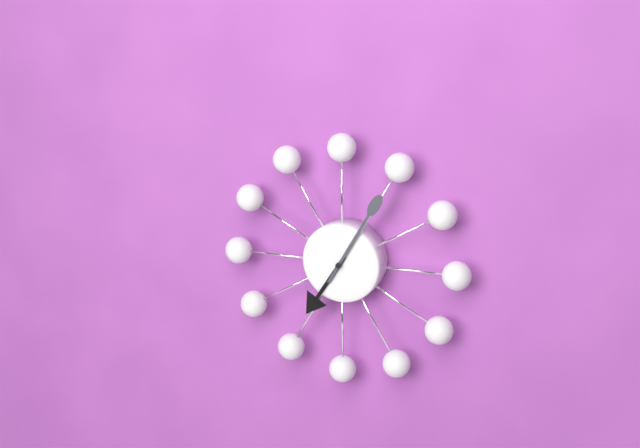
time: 7:05
